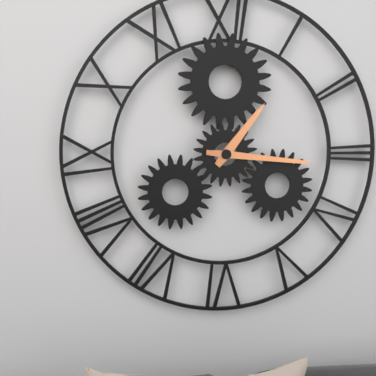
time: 1:16
